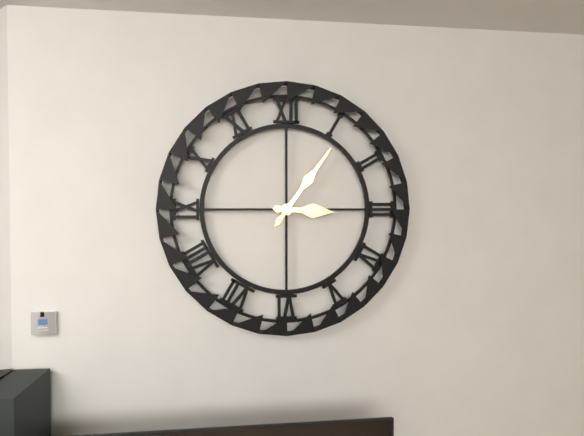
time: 3:06
